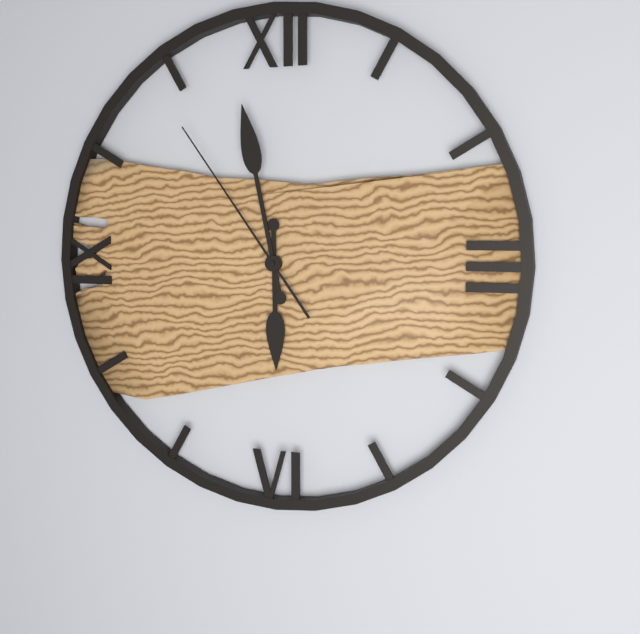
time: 5:58:54
